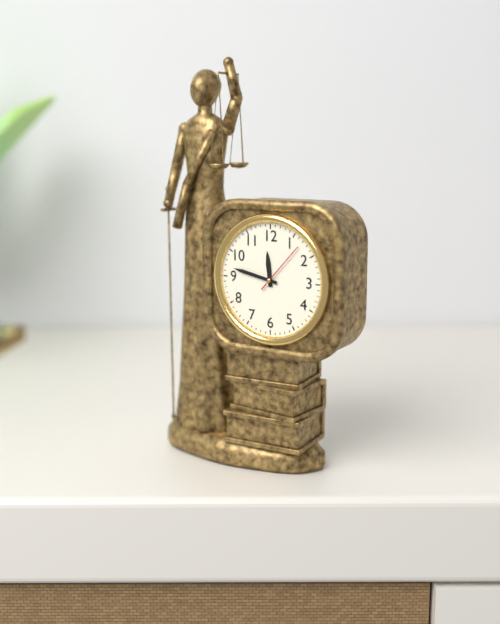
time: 11:47:07
